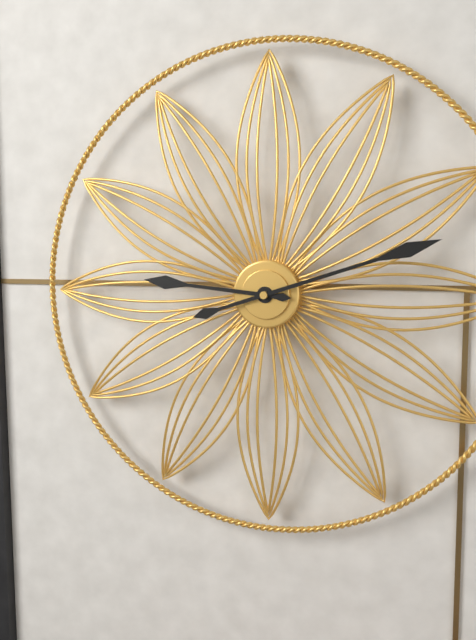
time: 9:12
